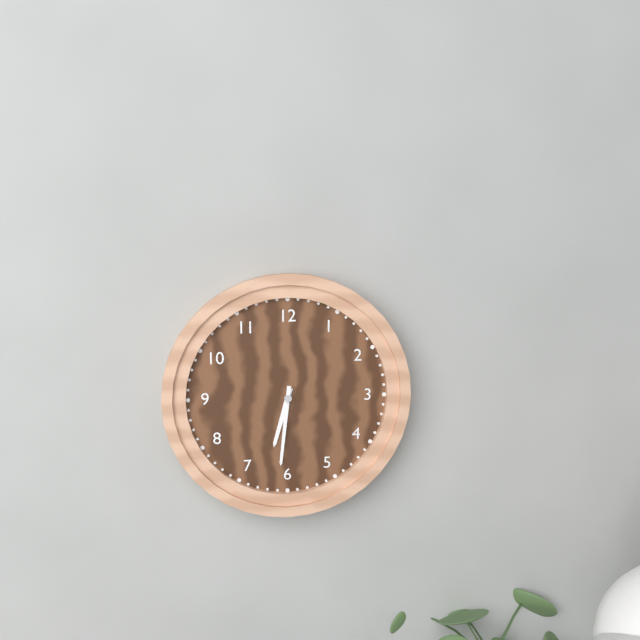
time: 6:31
